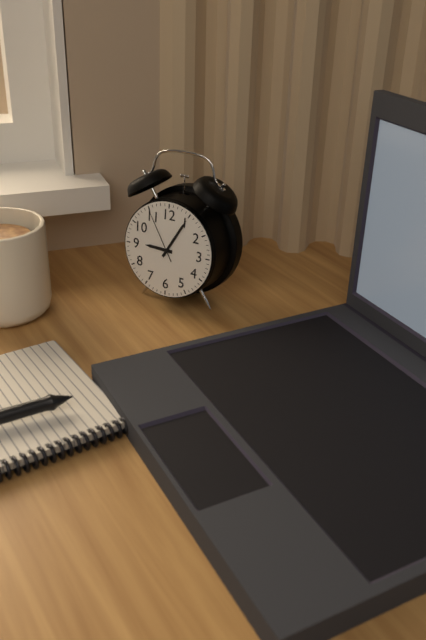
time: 9:05:55
